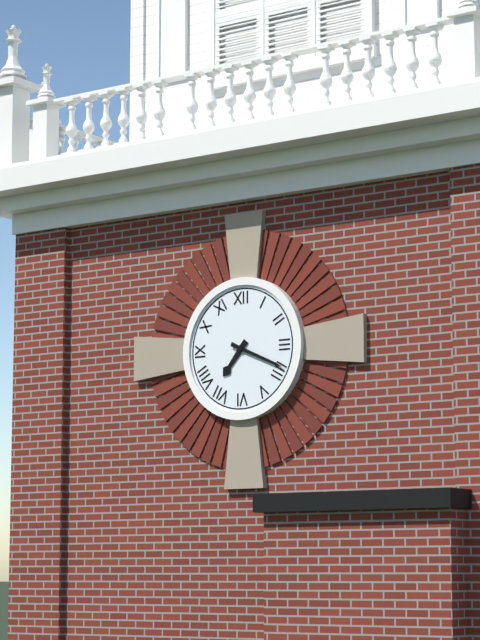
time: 7:19
